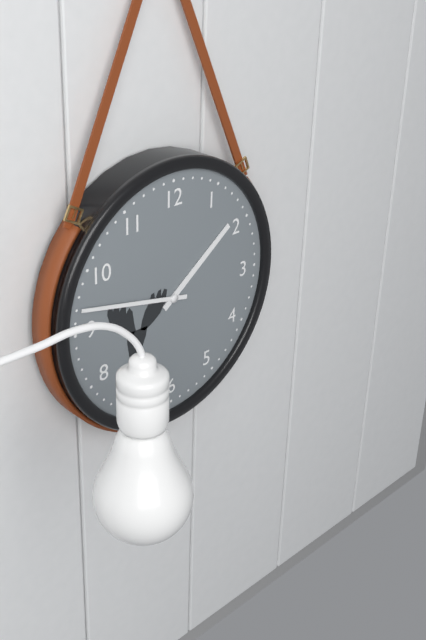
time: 1:47
